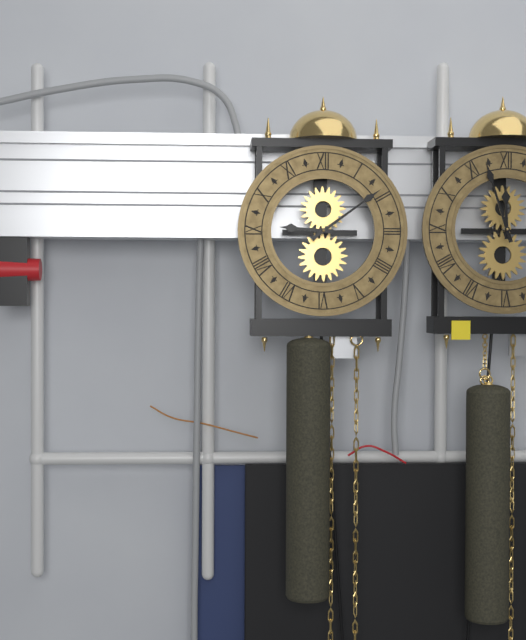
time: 9:09
